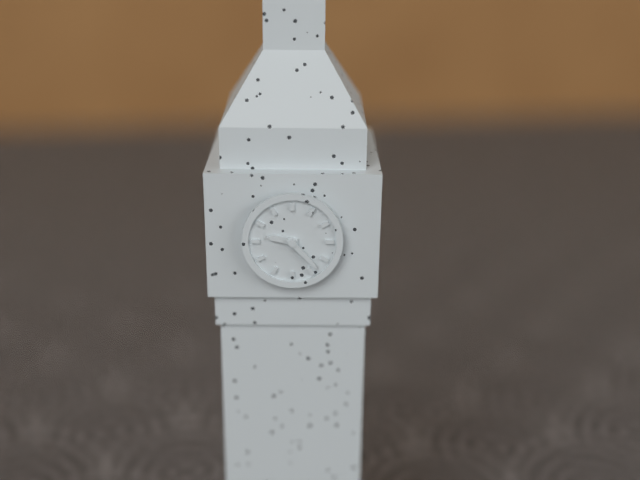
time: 9:23
